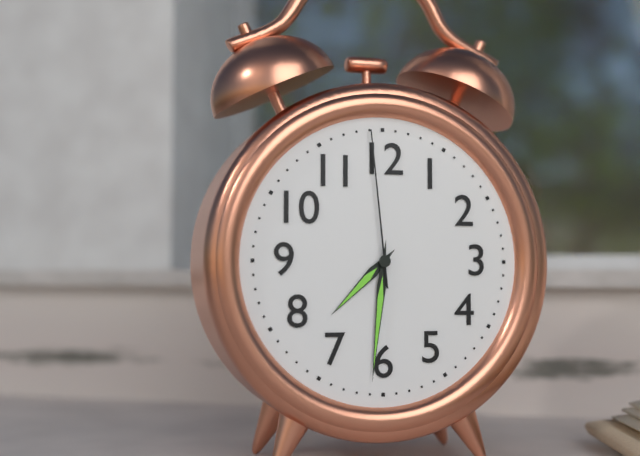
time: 7:31:59
